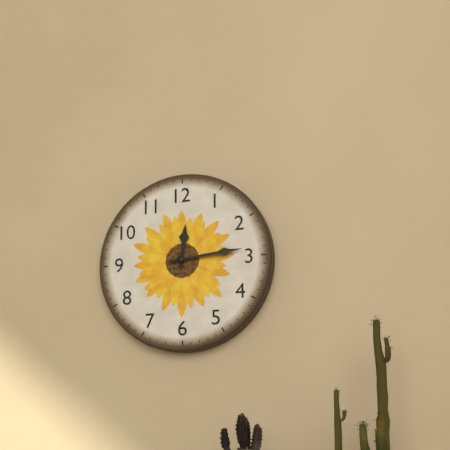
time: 12:14
